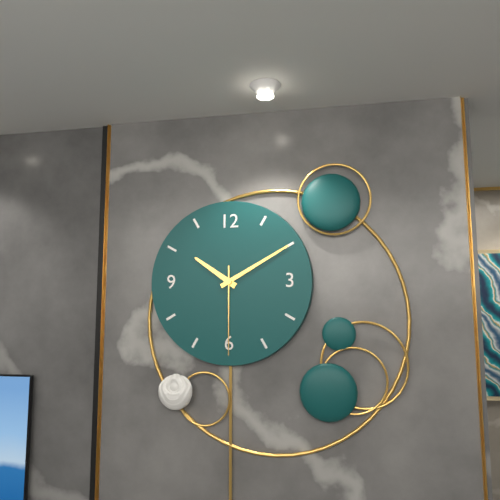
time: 10:10:30
